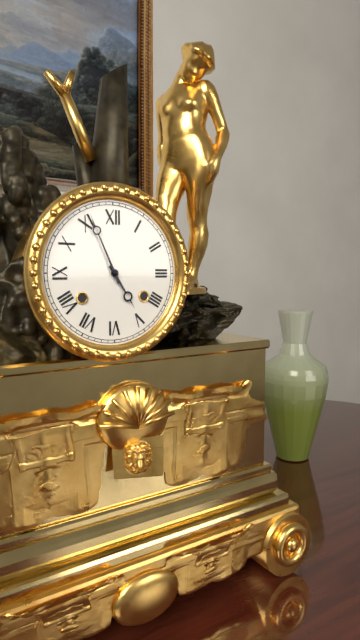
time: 4:56
